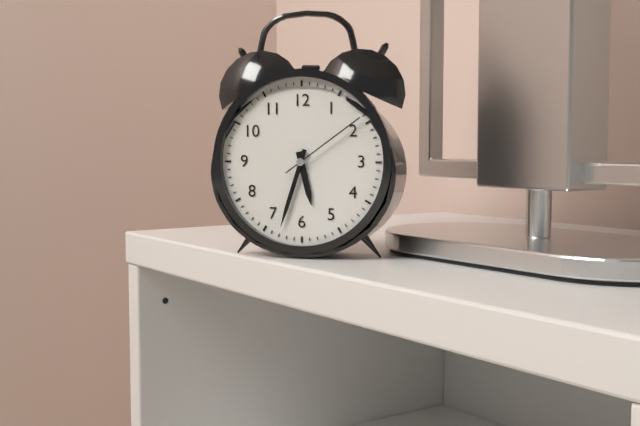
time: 5:33:09
